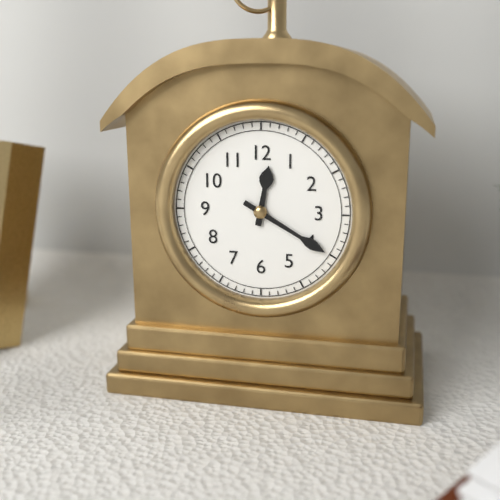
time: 12:20
